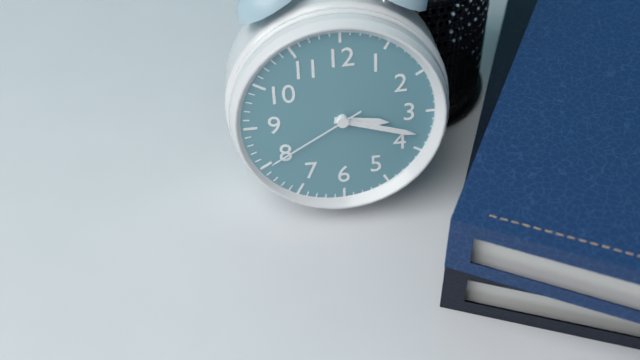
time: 3:18:40
